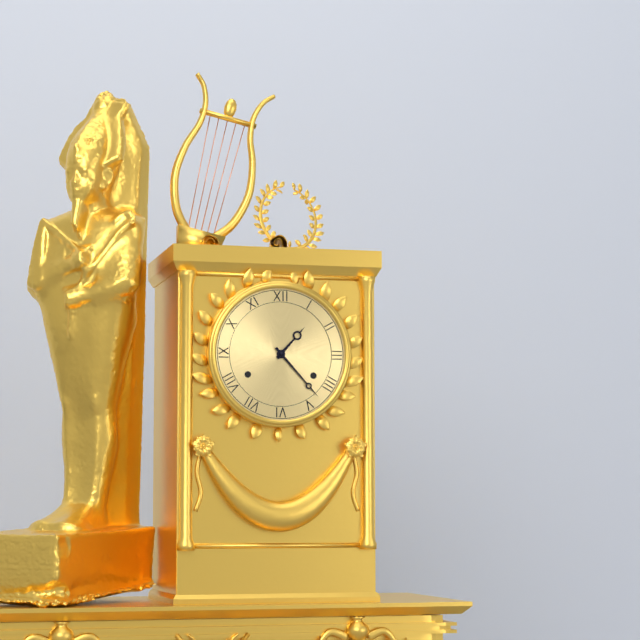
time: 1:23
